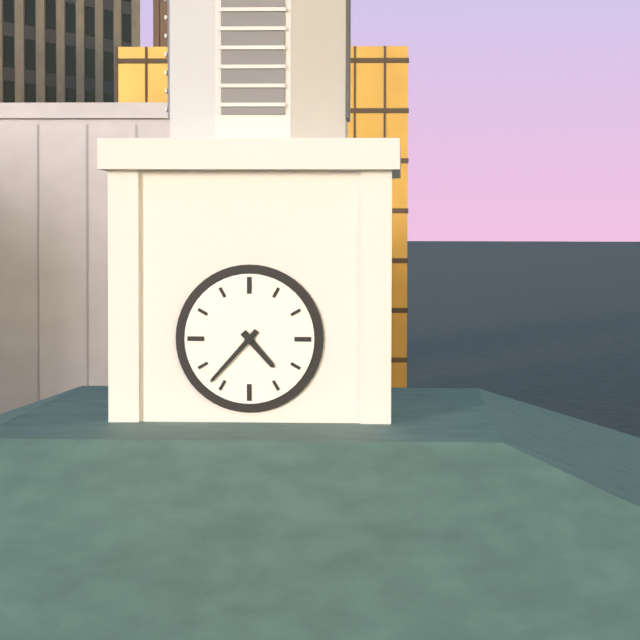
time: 4:37
